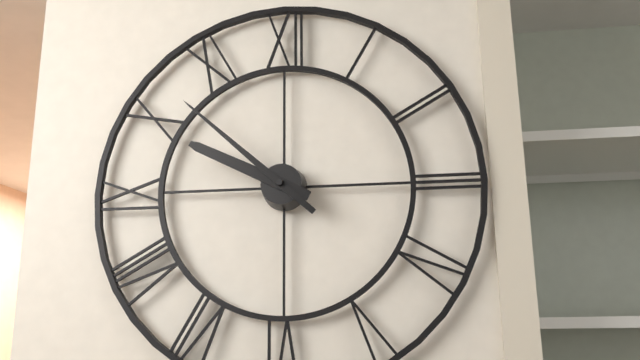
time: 9:52
